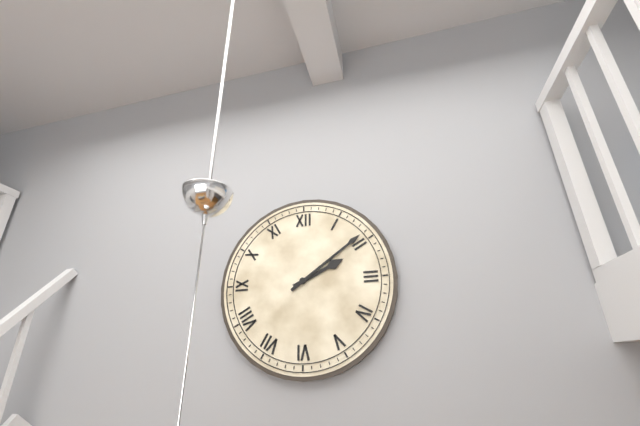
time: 2:09
